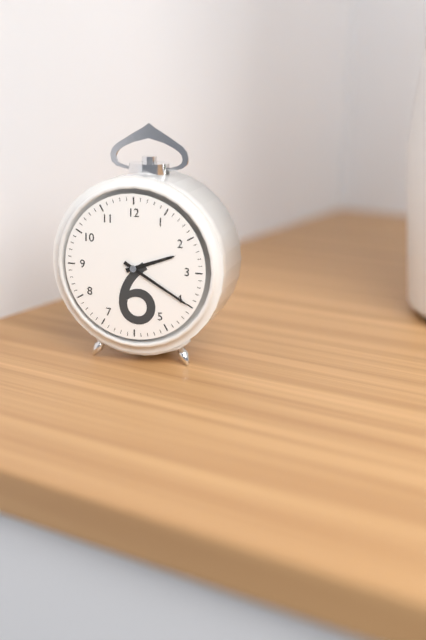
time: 2:20
